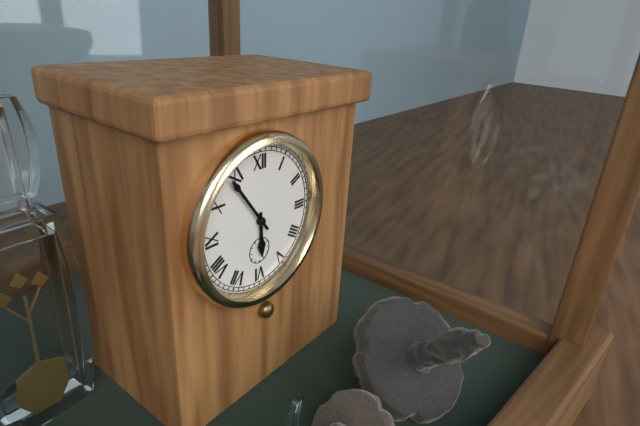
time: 5:54
